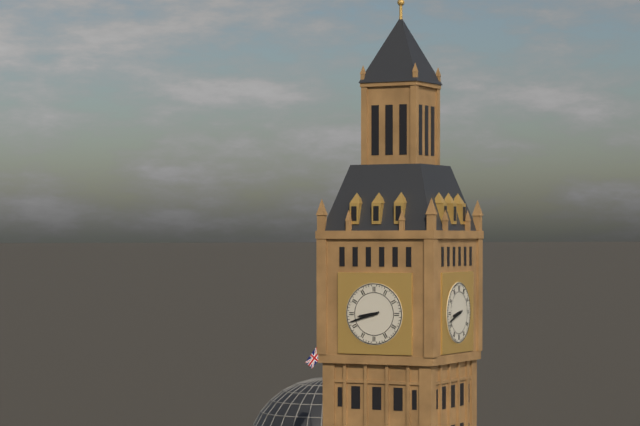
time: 8:42
